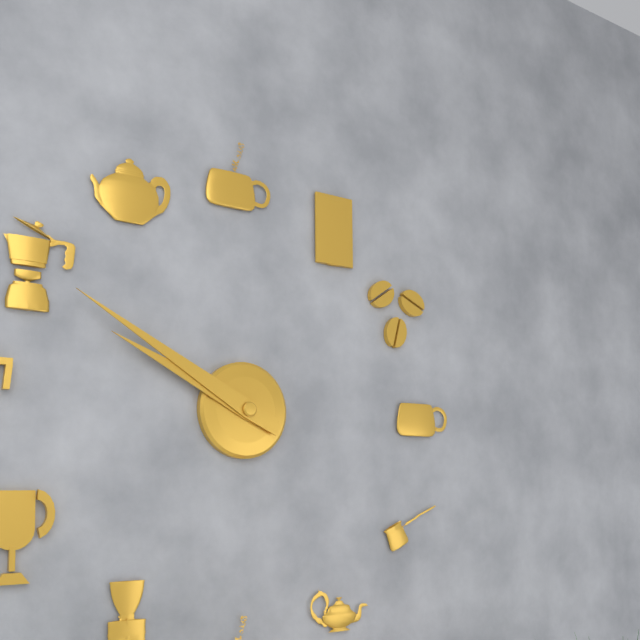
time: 9:50
